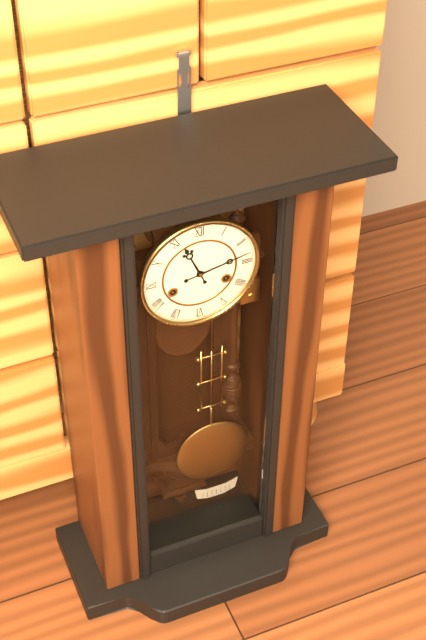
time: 11:13
